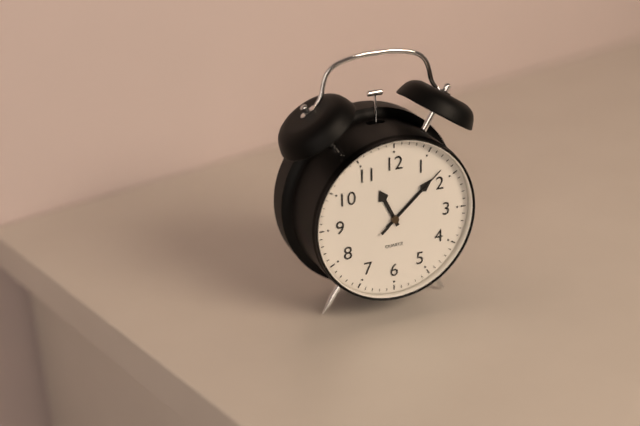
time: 11:08:08
